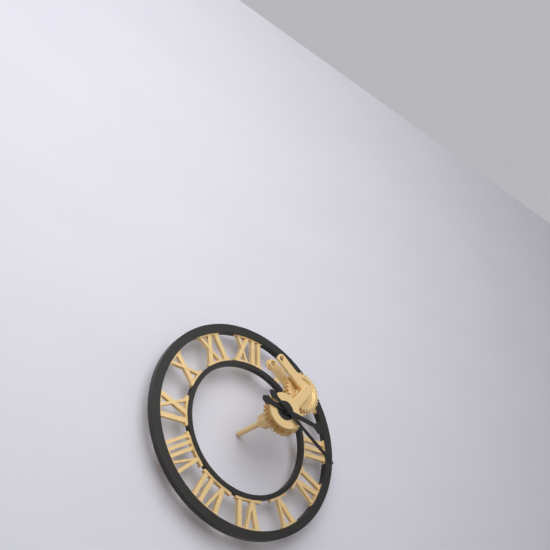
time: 3:21
